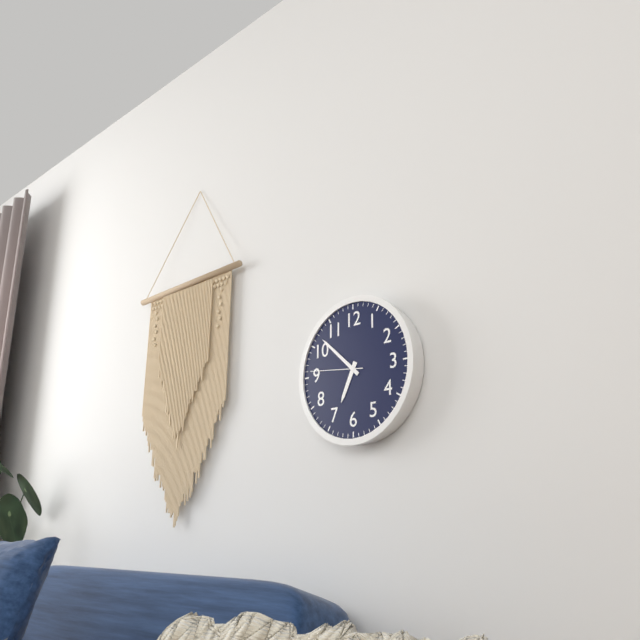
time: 6:52:46
